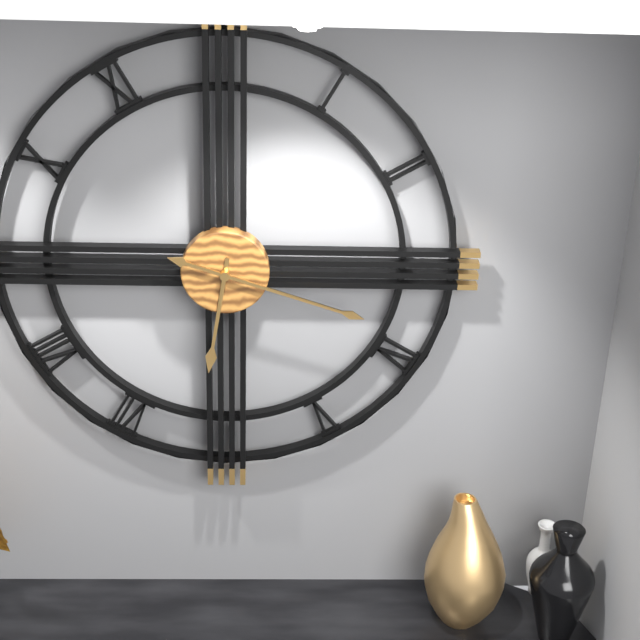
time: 6:18
